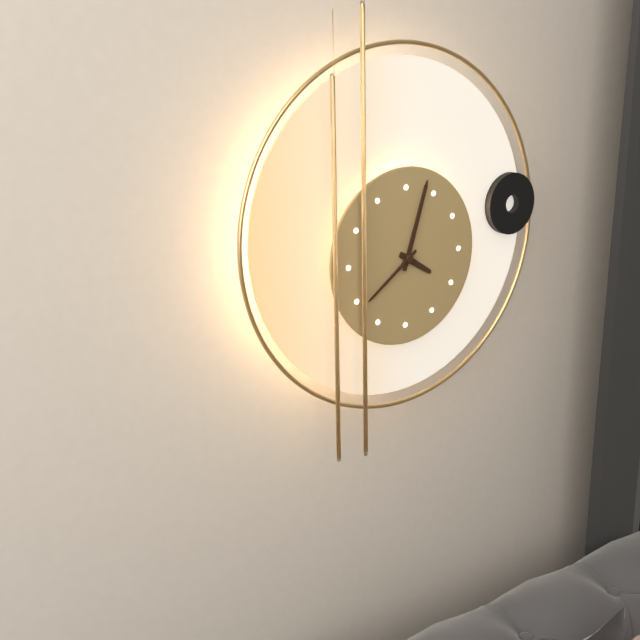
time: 4:03:39
